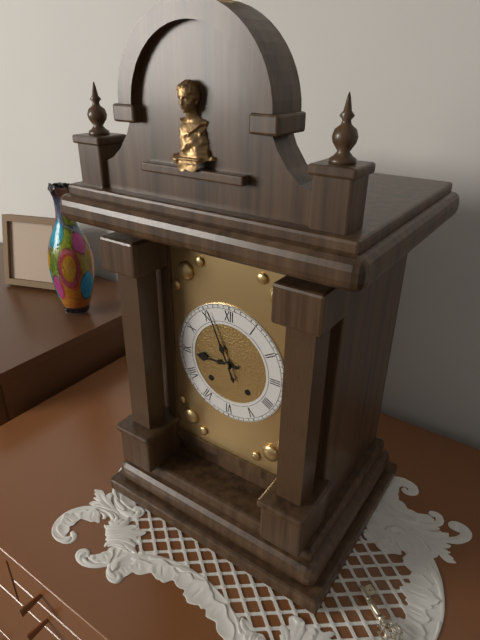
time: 8:56
